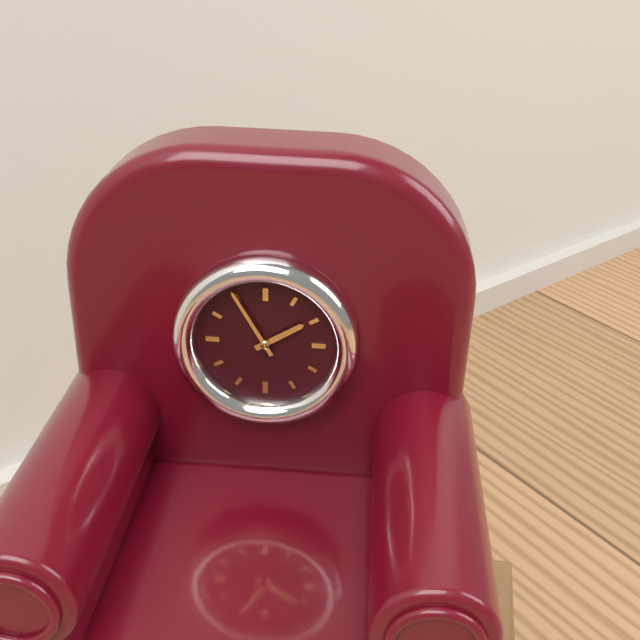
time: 1:55
